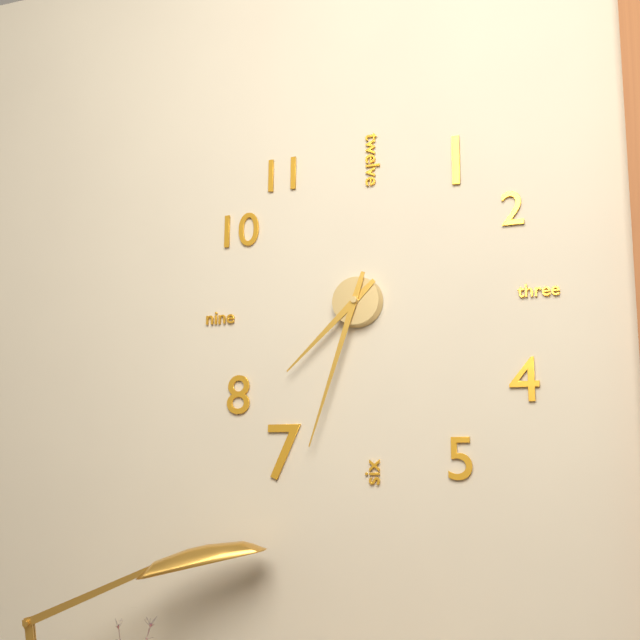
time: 7:33
